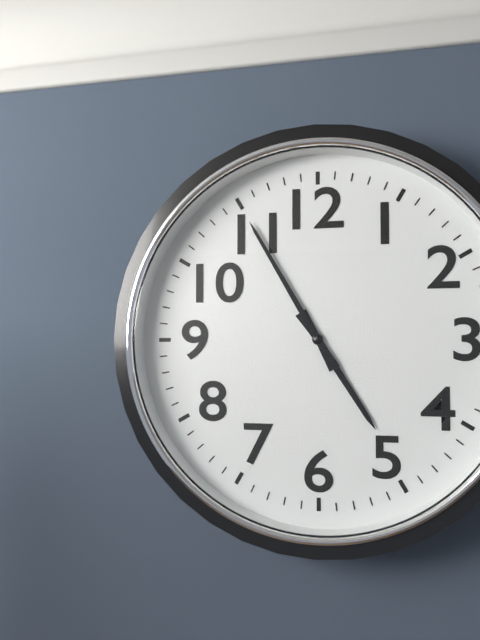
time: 4:55
